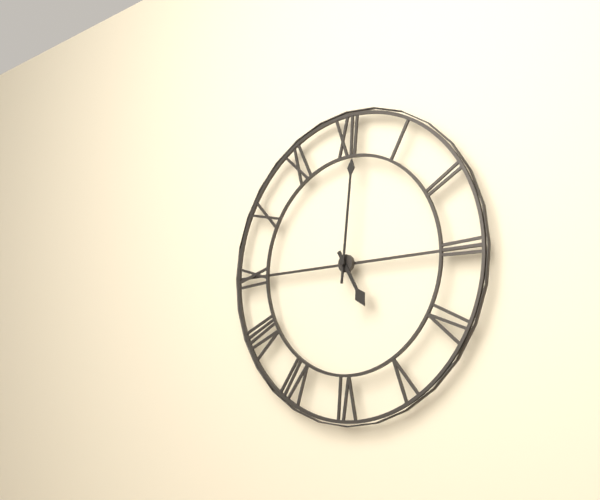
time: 5:01
